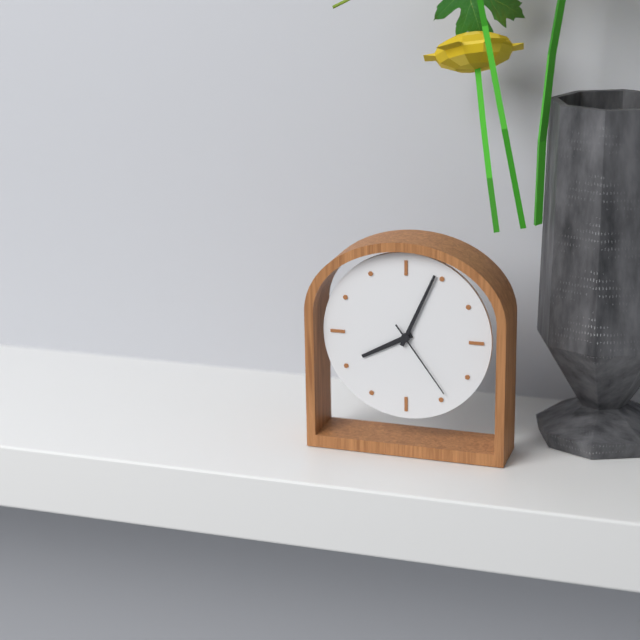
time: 8:04:24
